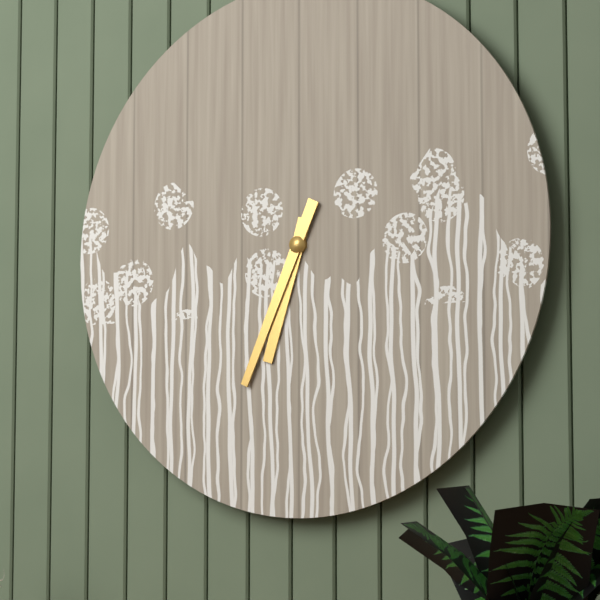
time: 6:34
